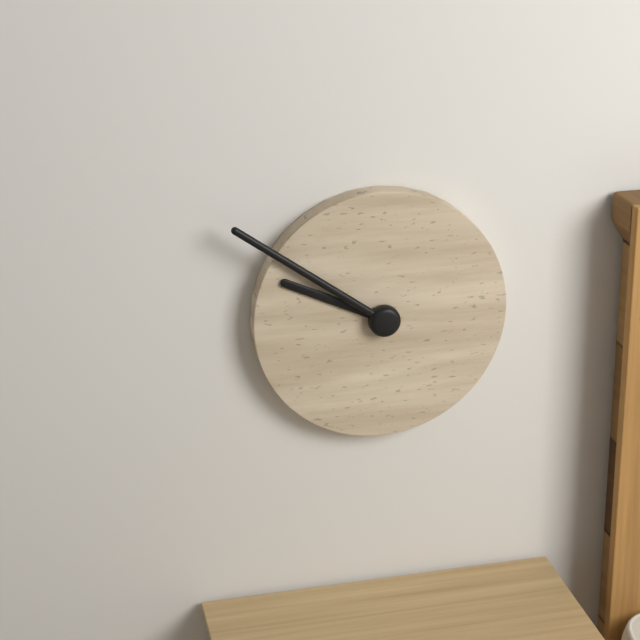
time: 9:51
